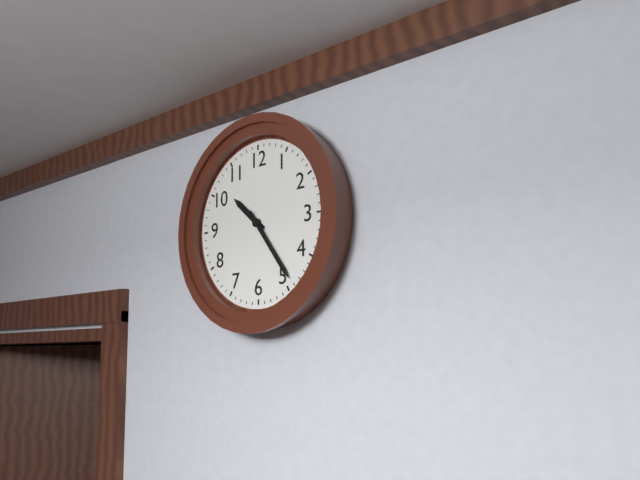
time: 10:24
